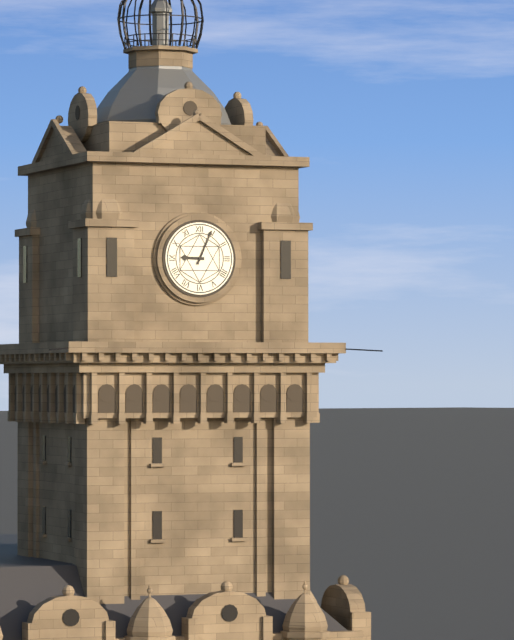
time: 9:04
